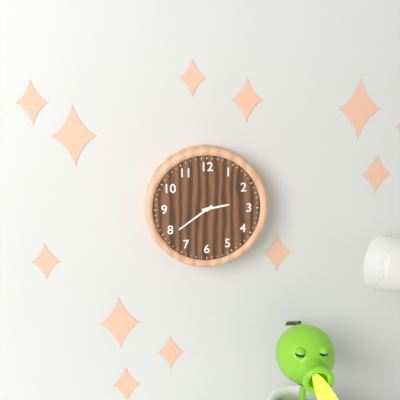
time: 2:39
